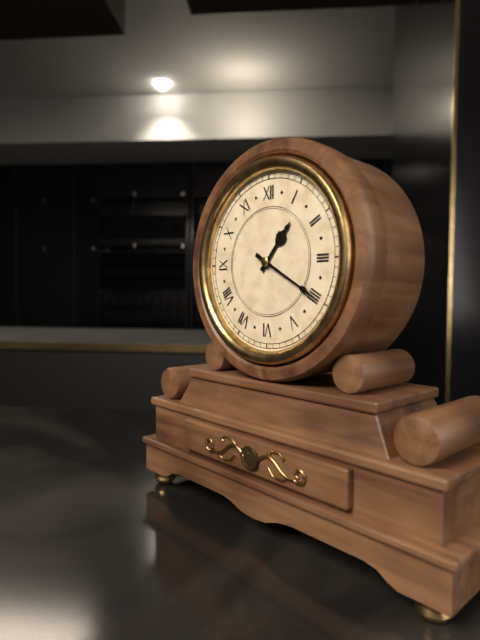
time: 1:20
